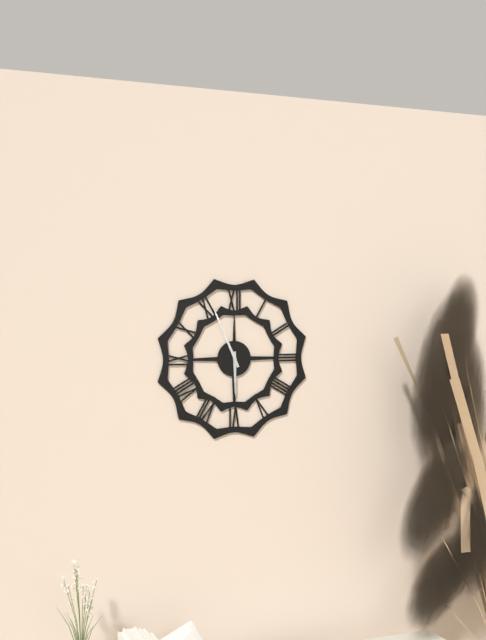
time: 5:56
